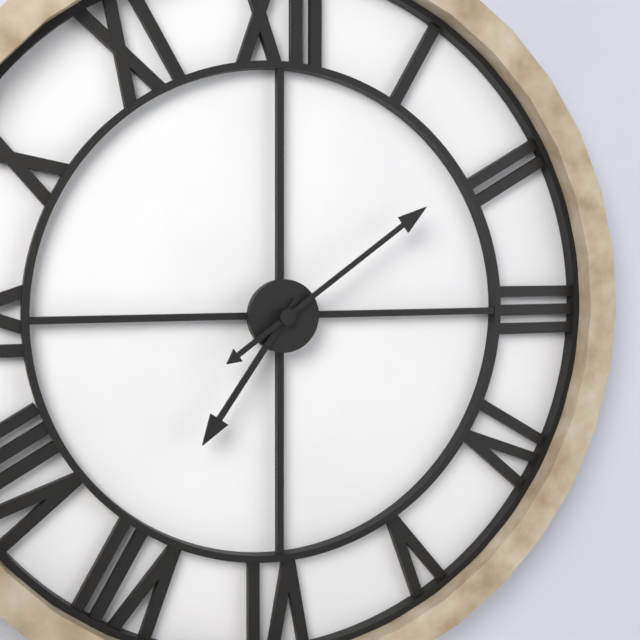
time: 7:09
